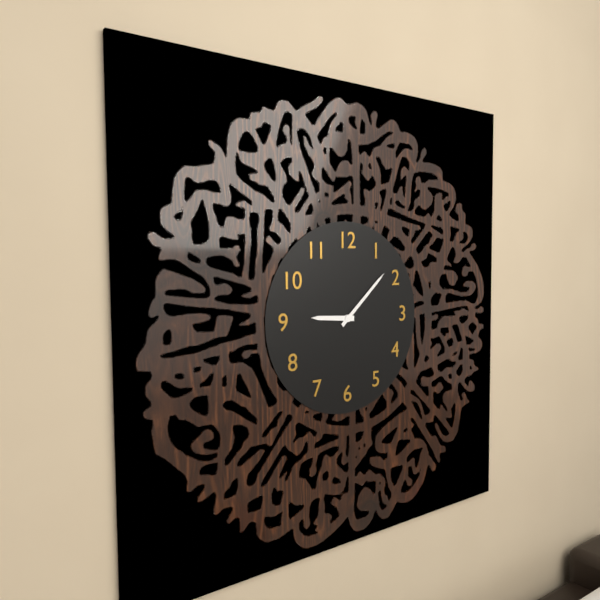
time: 9:08
